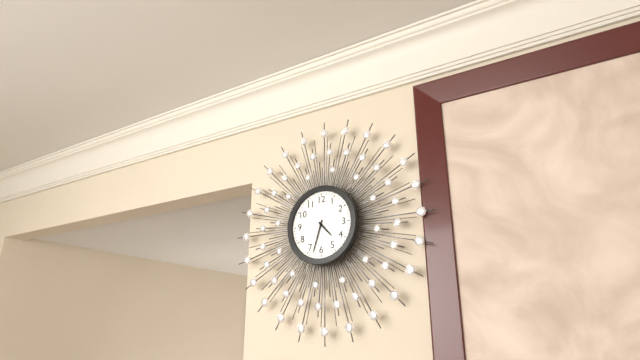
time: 4:33
